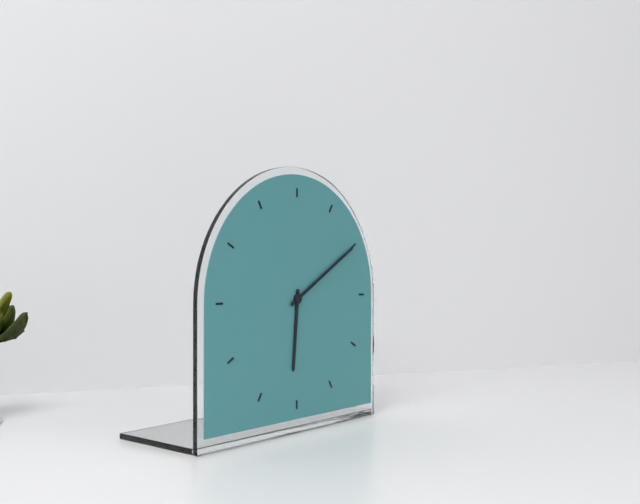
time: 6:10
